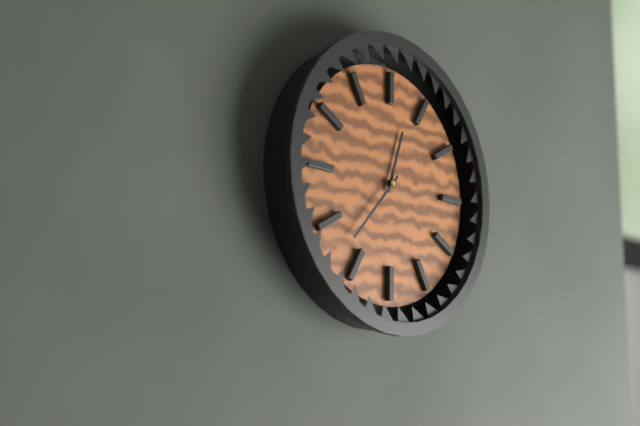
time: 12:37
